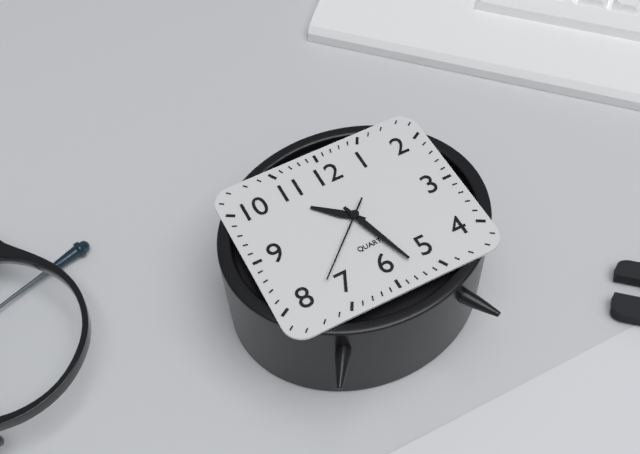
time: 10:27:38
